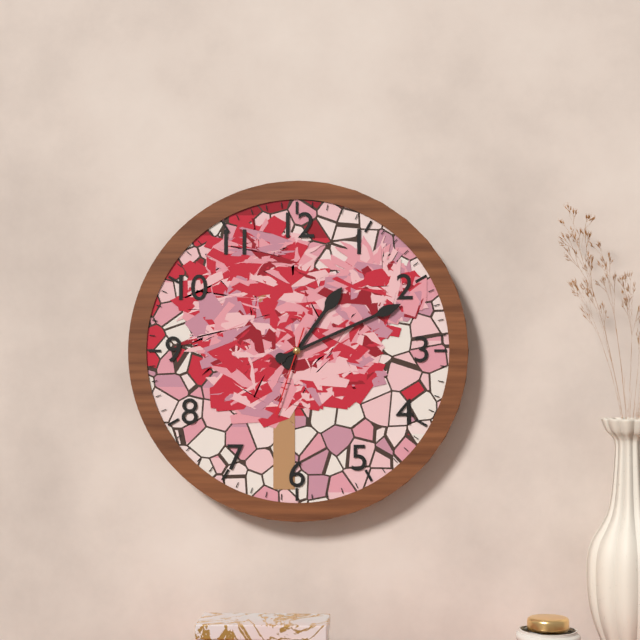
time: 1:11:33
